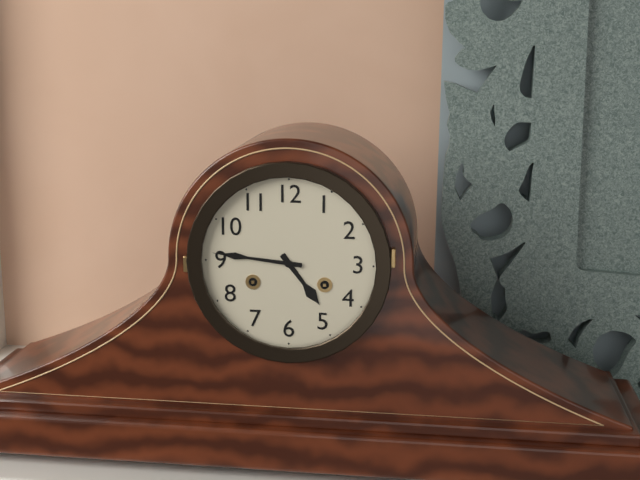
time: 4:46
